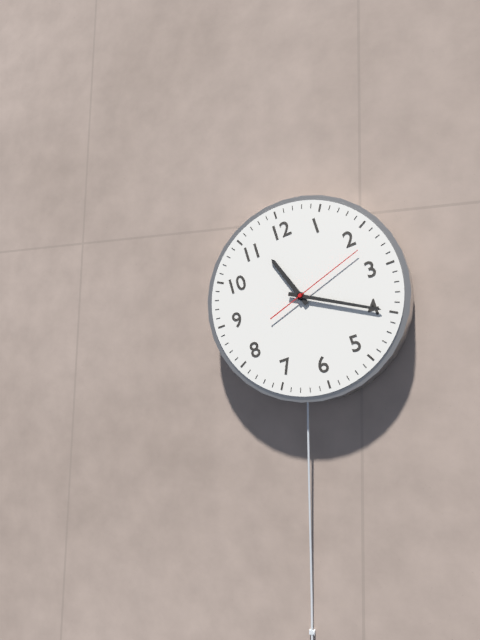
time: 11:20:12
